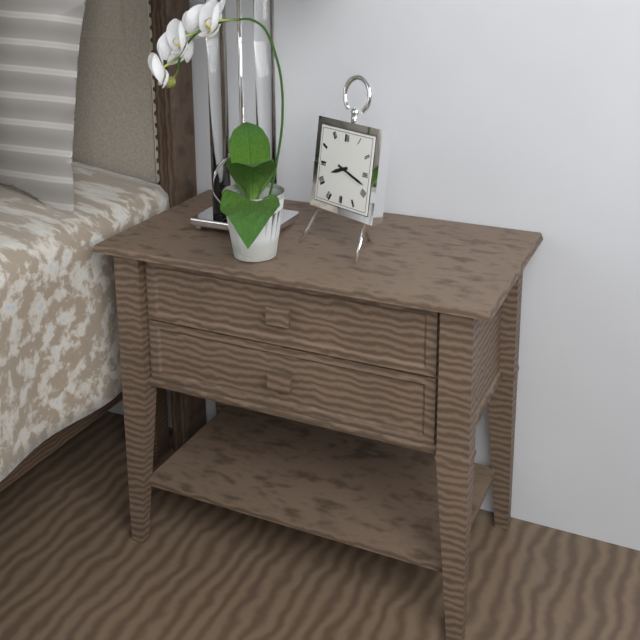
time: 8:18
